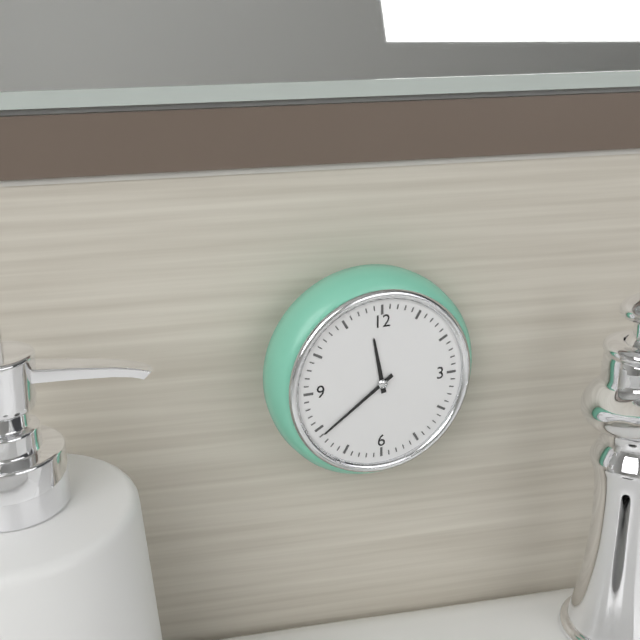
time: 11:39
